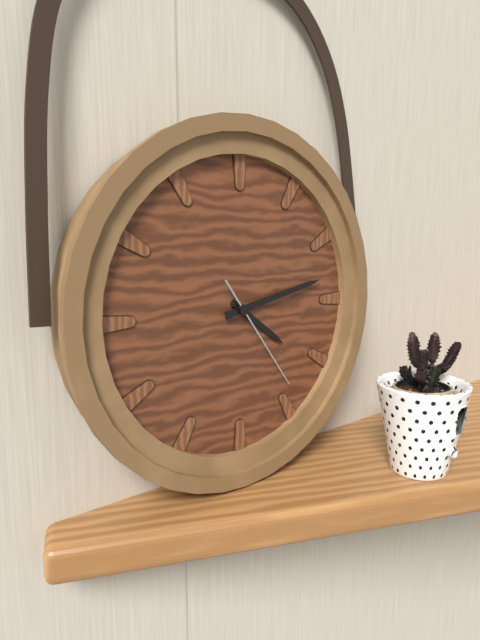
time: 4:13:24
